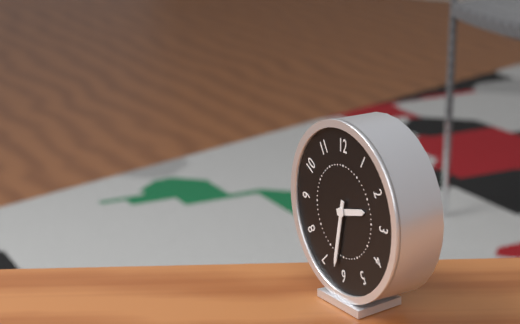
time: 2:32
